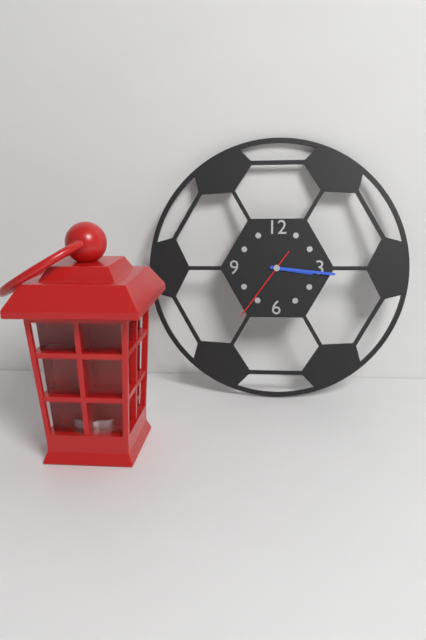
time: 3:16:36
